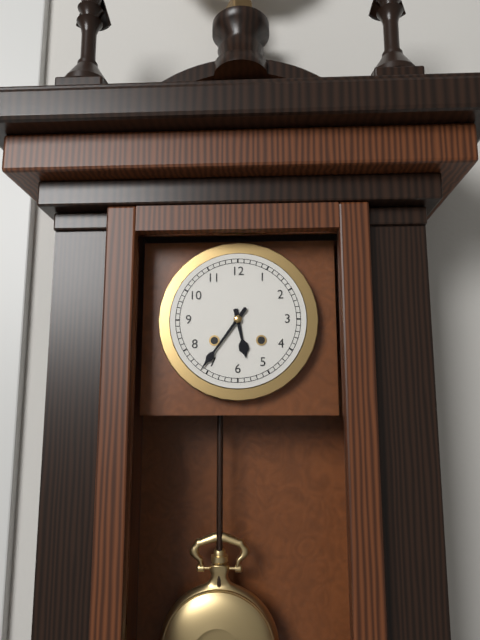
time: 5:36
